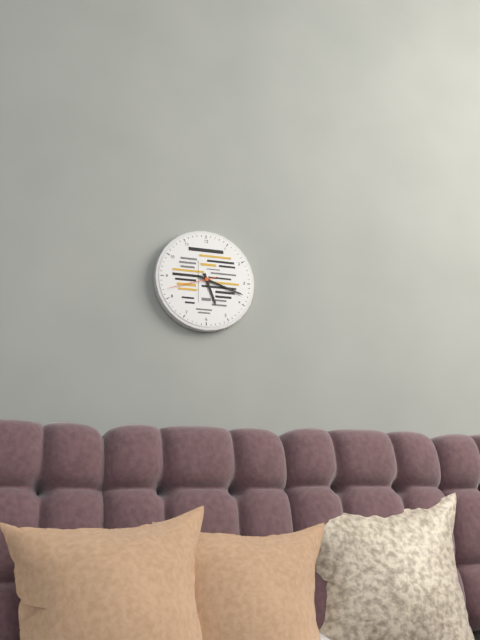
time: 5:18:42
